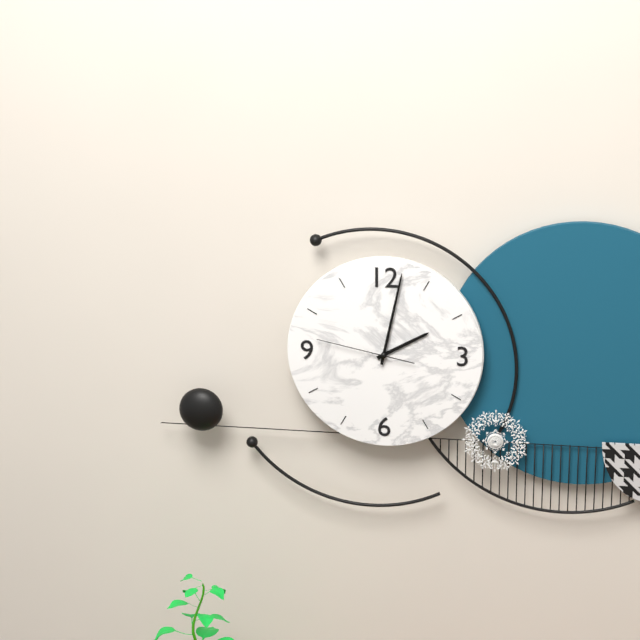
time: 2:02:47
